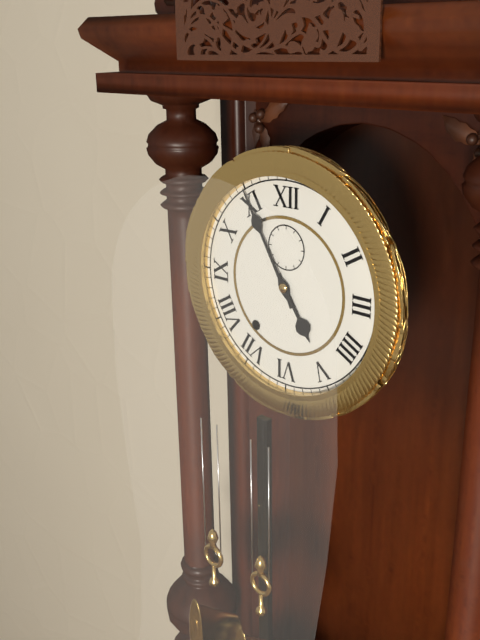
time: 4:55
